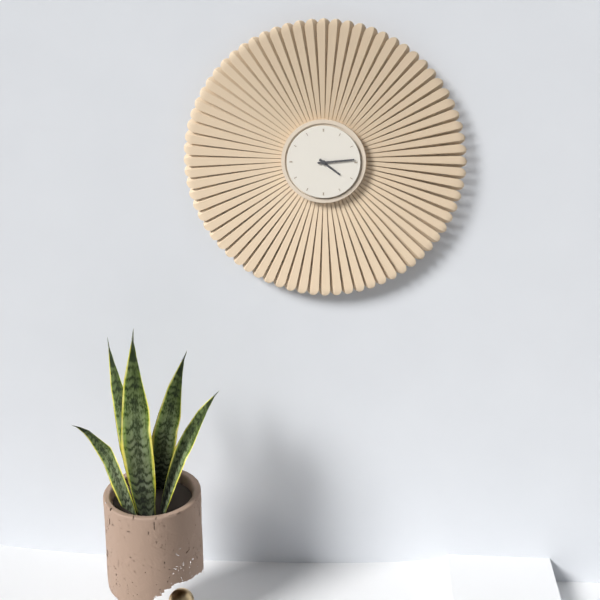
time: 4:14
